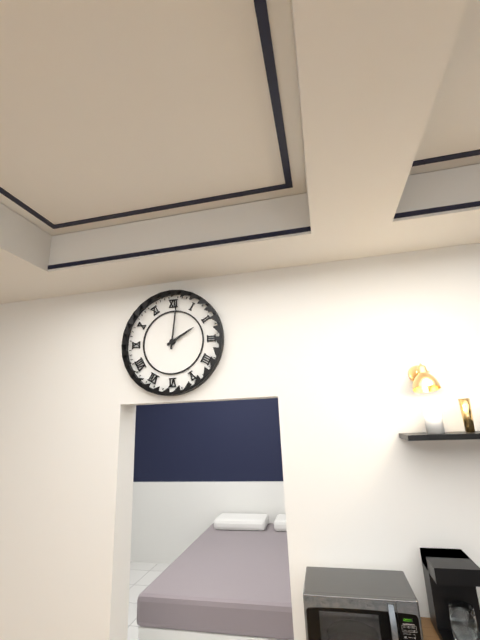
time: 2:01
